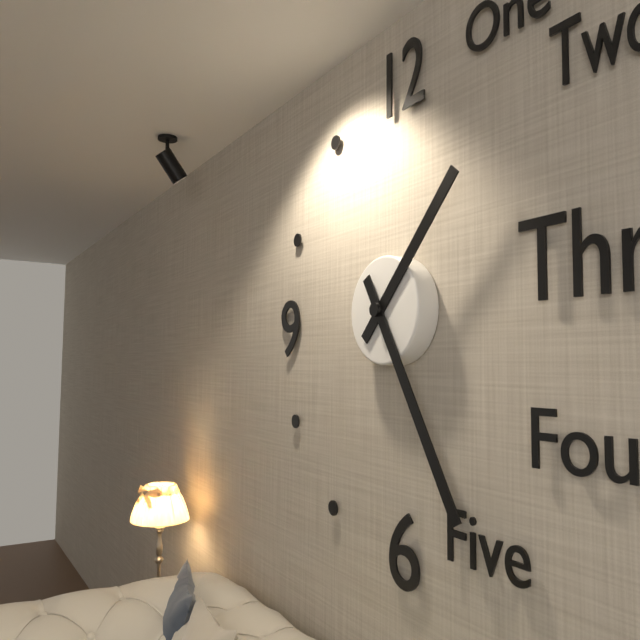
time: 1:25
